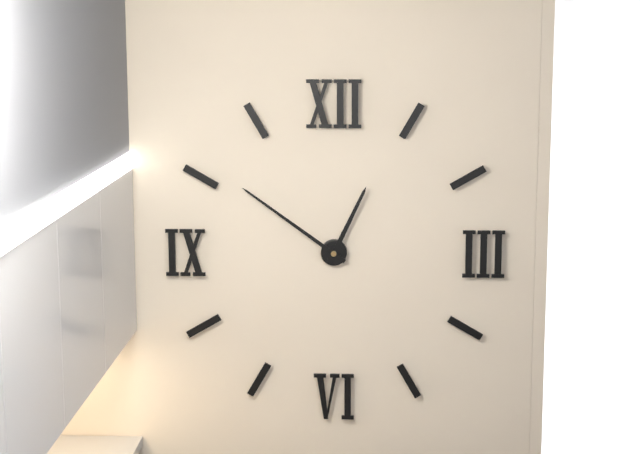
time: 12:51
